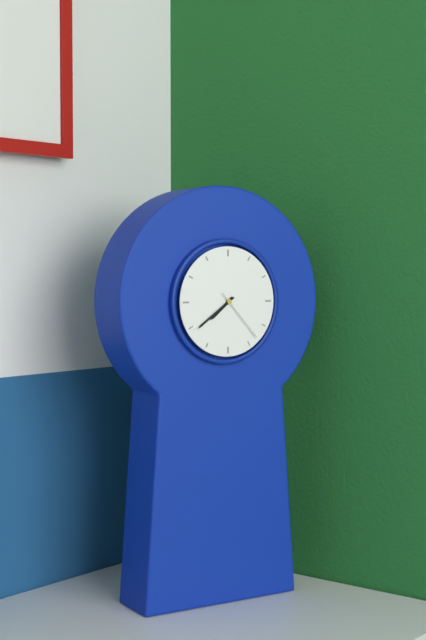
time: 7:39:23
